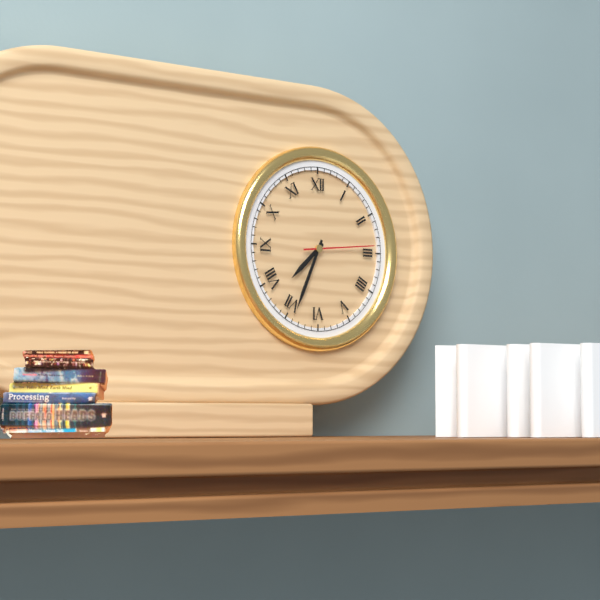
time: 7:34:14
